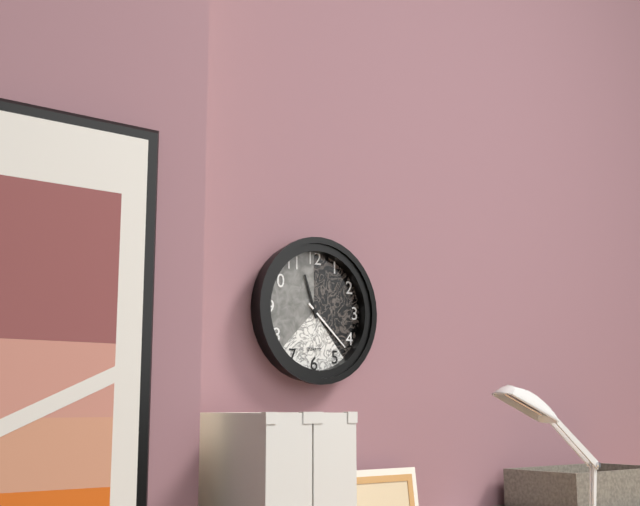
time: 11:22
